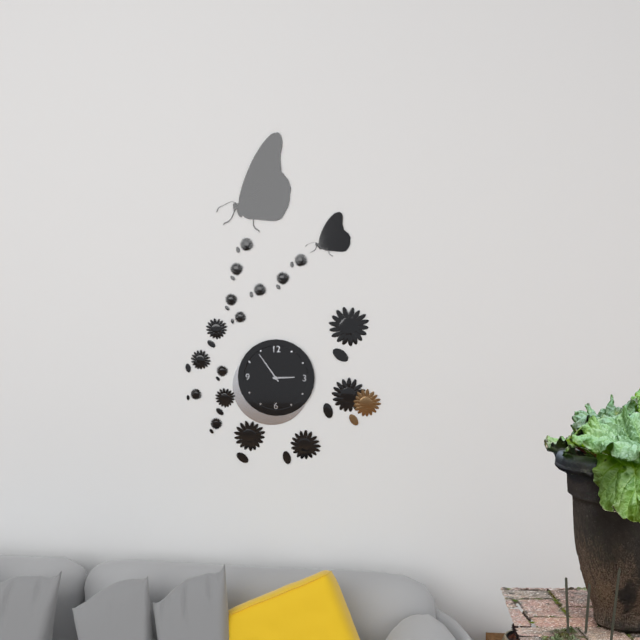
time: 2:54
